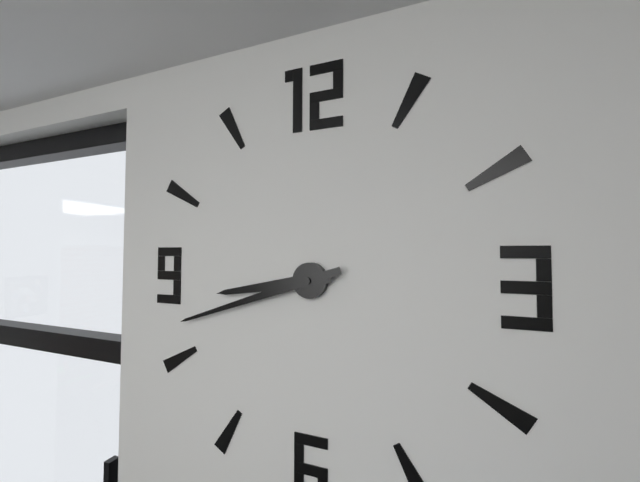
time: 8:42
